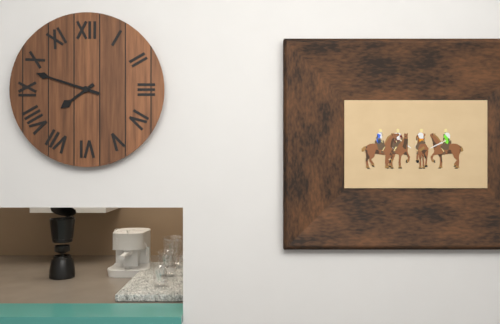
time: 7:48
